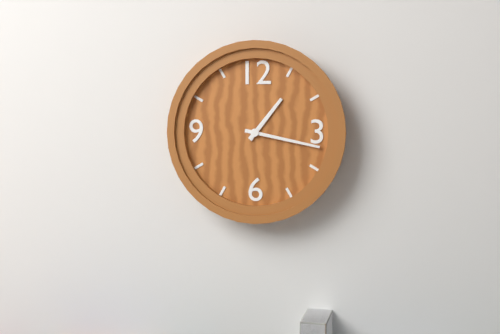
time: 1:17
